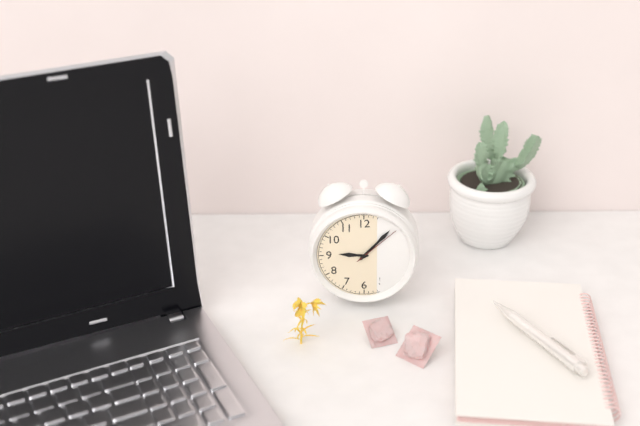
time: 9:07:08
